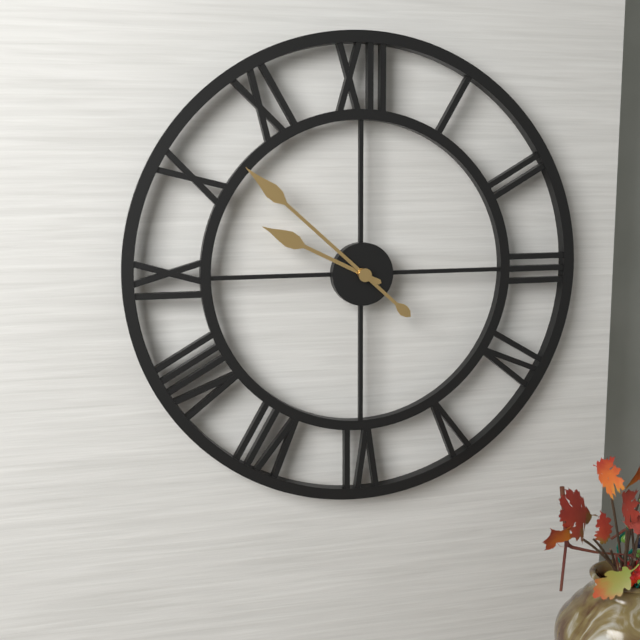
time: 9:52
